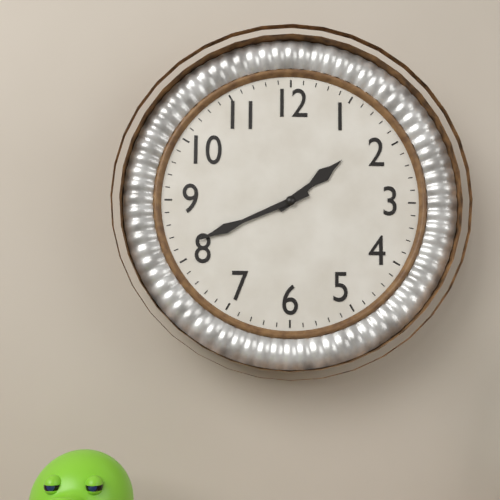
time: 1:41
